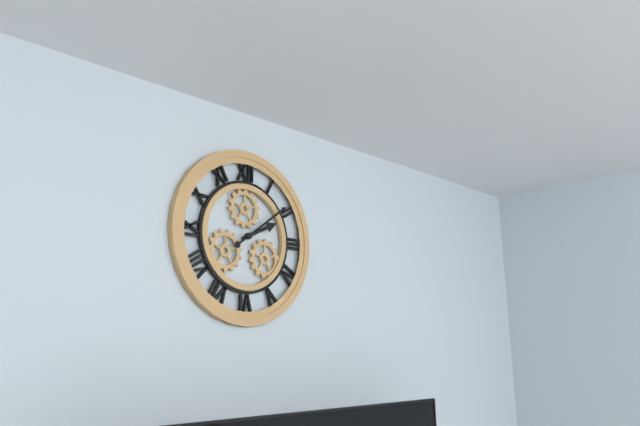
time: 2:09
